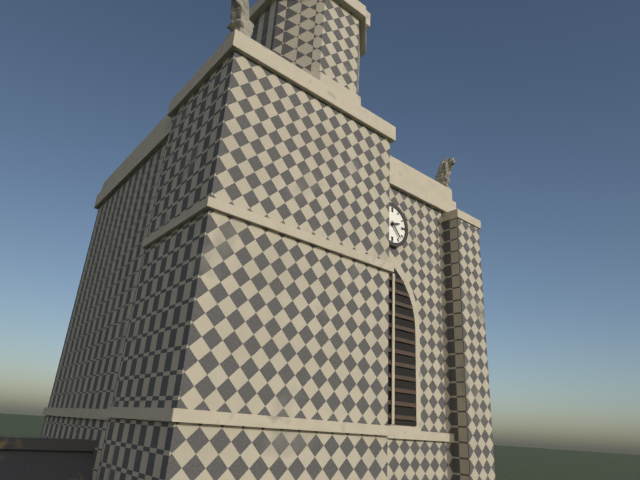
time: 2:23
